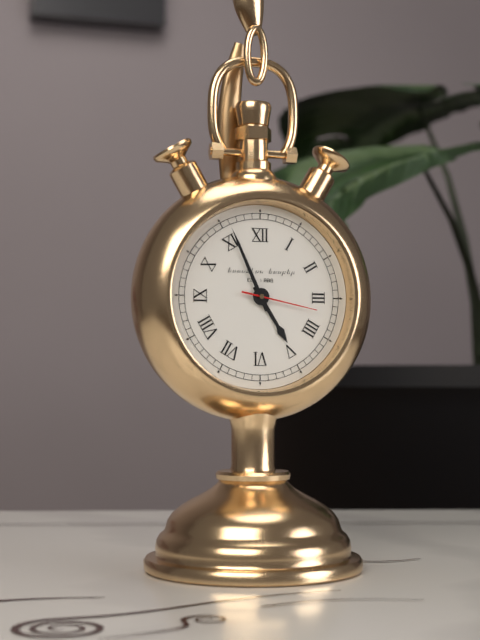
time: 4:56:17
